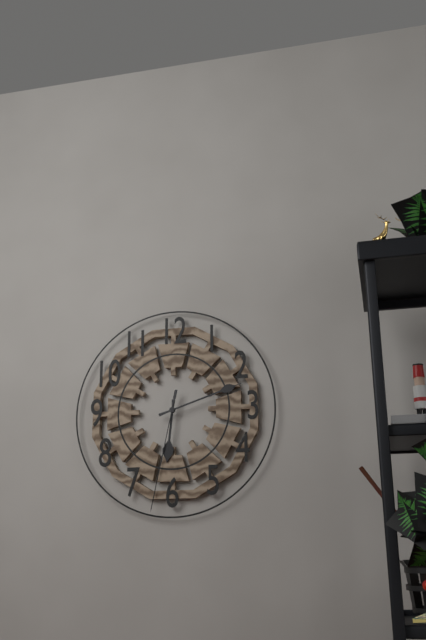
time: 6:12:32
